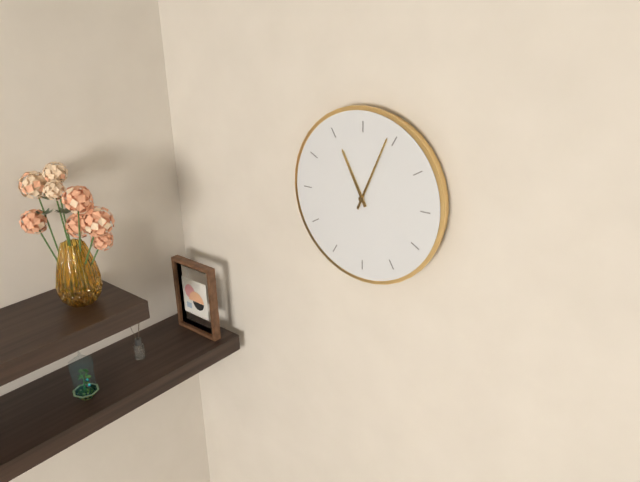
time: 11:04
